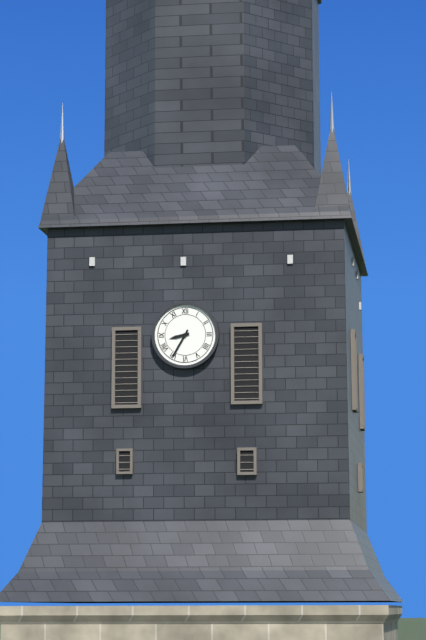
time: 8:35
